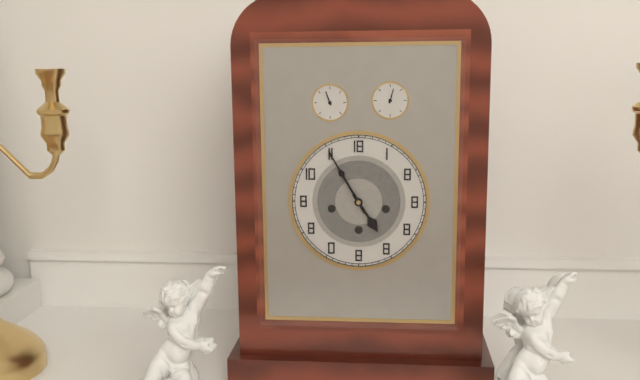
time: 4:55
